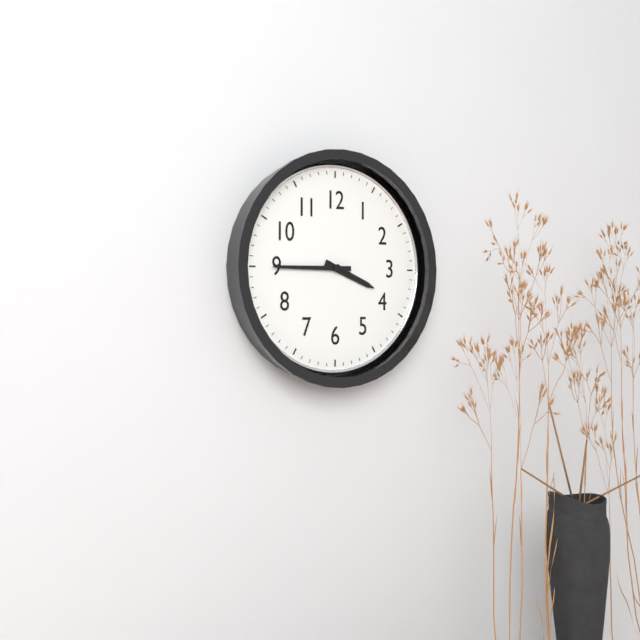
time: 3:45
